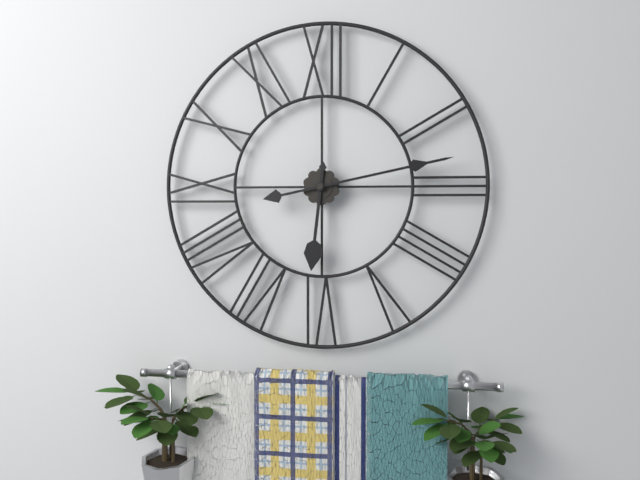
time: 6:13
